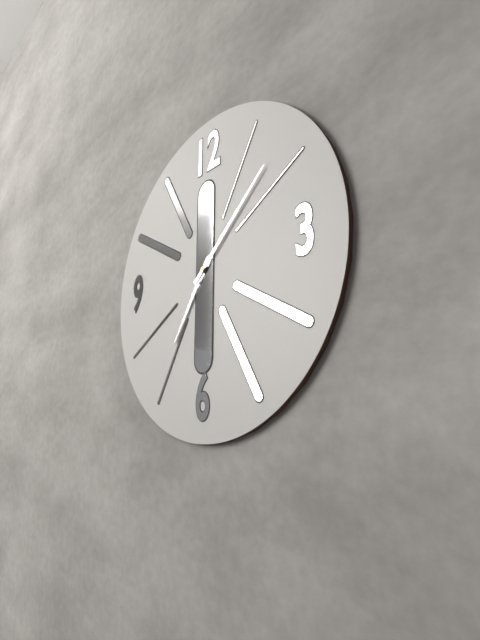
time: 7:08
